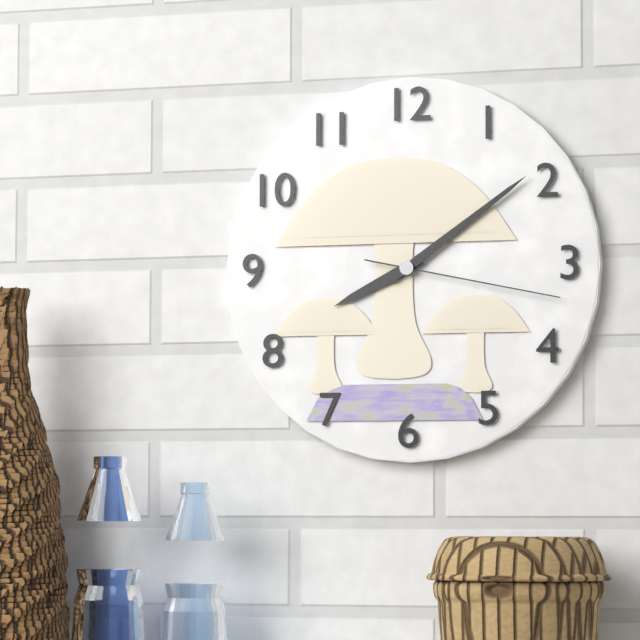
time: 8:09:17
